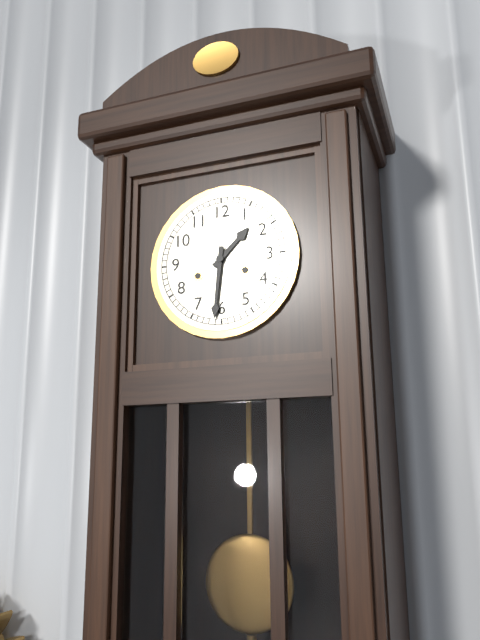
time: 1:31
